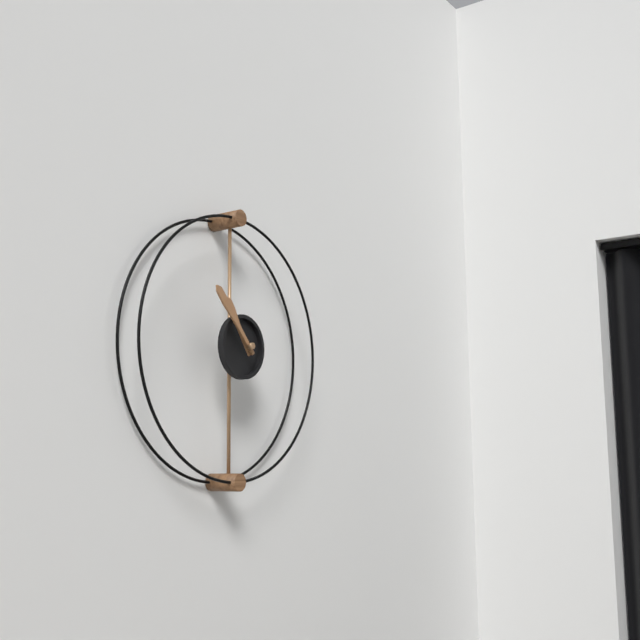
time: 10:53
